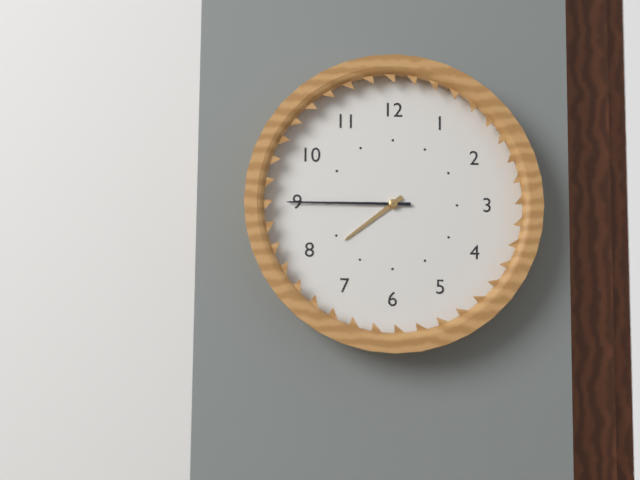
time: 7:45
